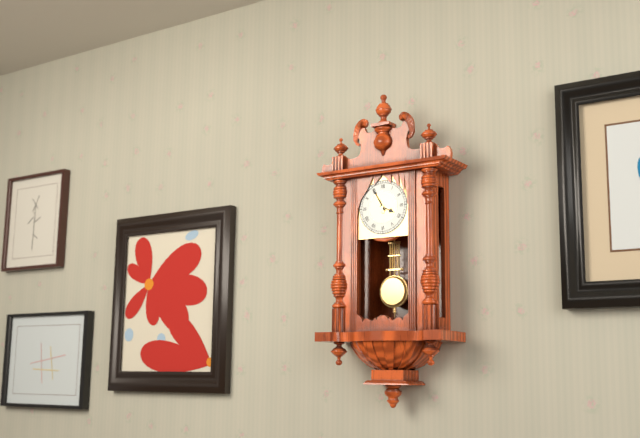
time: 3:55
